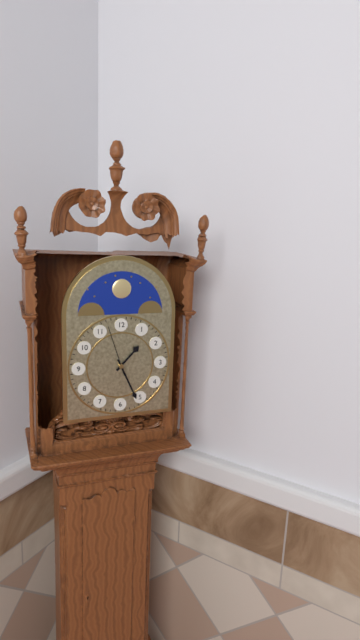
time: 1:26:57
